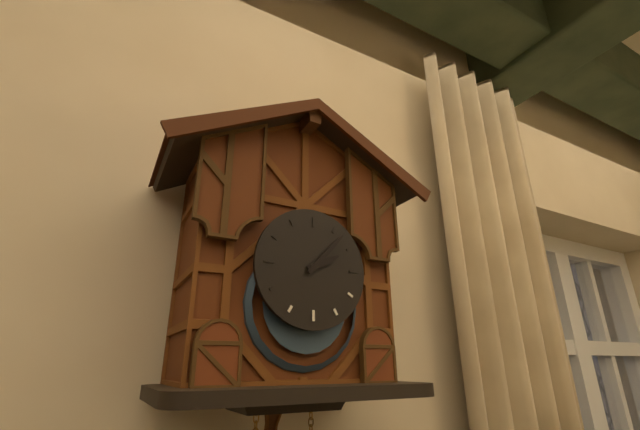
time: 2:07
